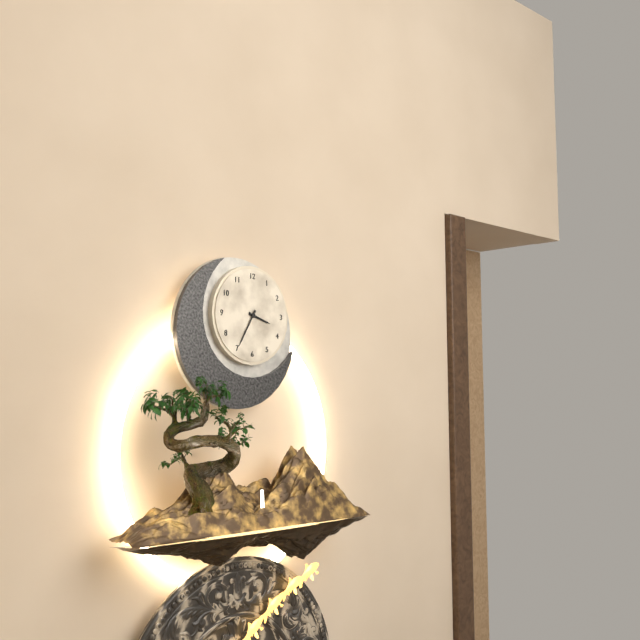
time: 3:35
